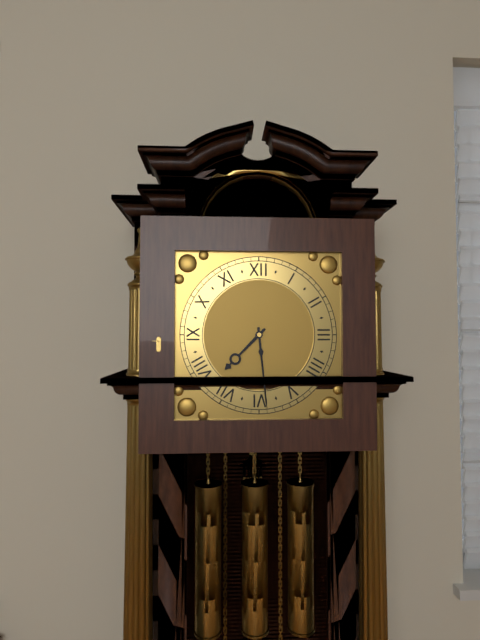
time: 7:29
